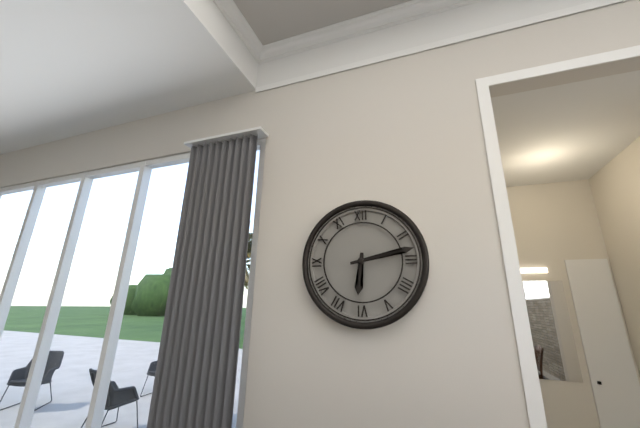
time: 6:13
